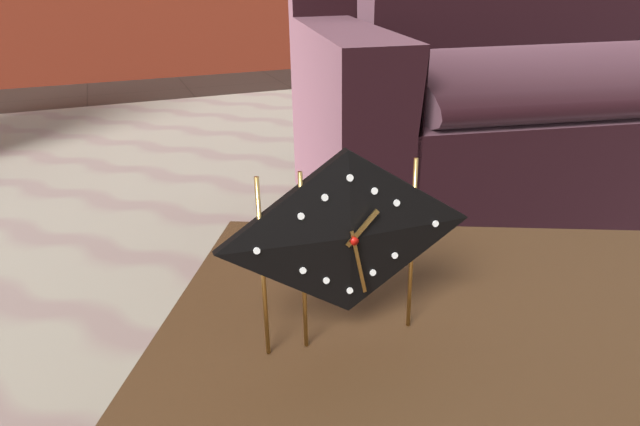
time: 1:28
